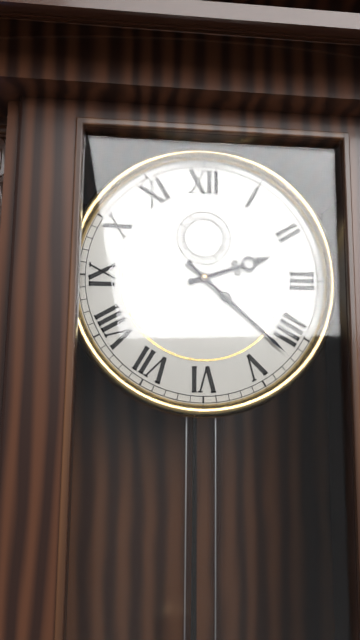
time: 2:22
